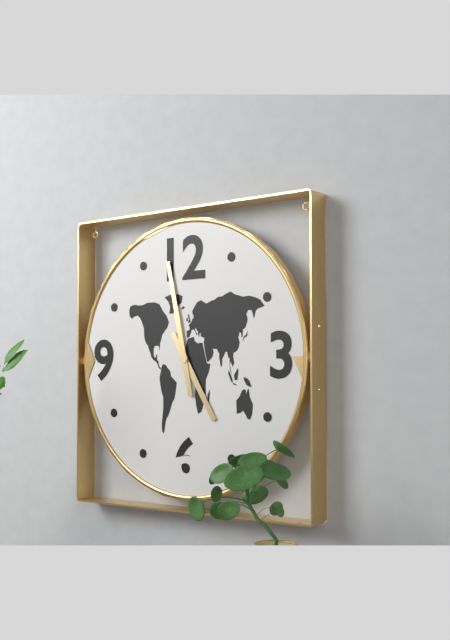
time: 4:58
